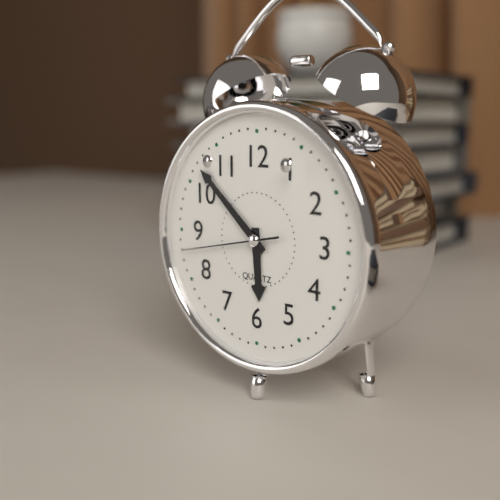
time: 5:52:43
